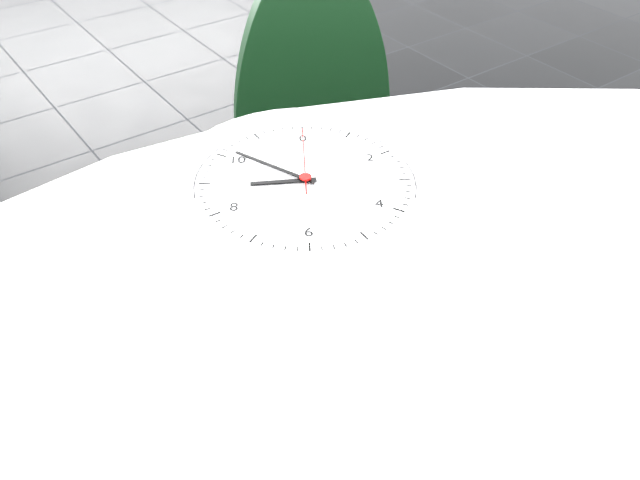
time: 8:51:00
